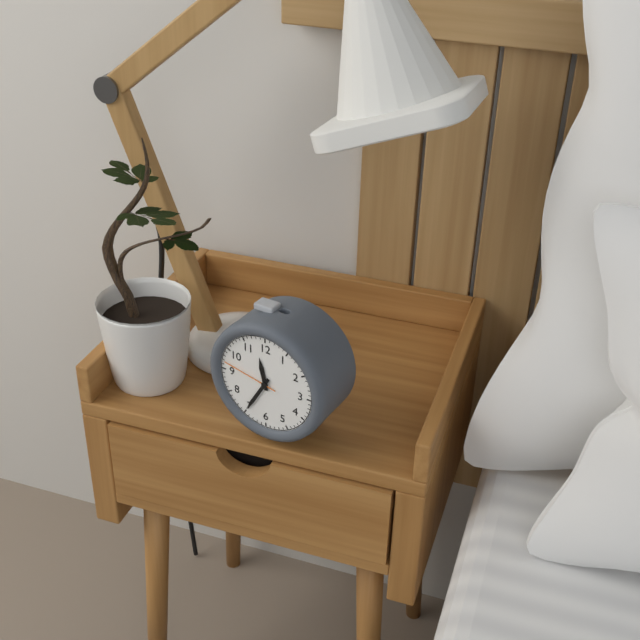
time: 11:35:47
